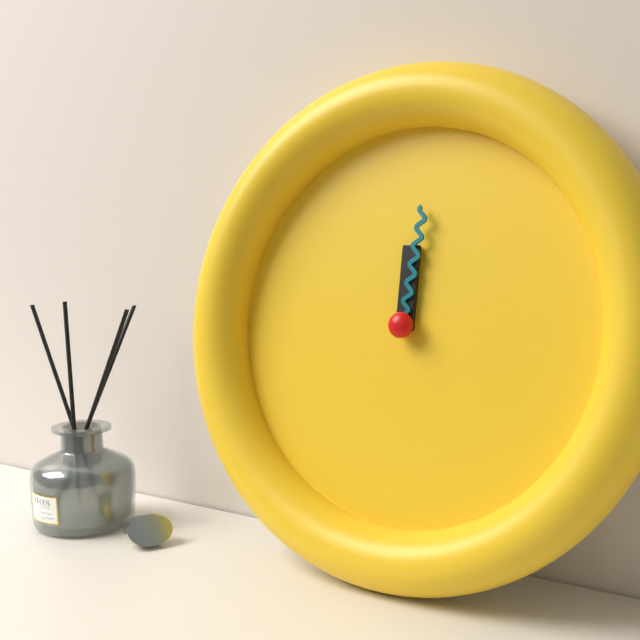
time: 12:01
